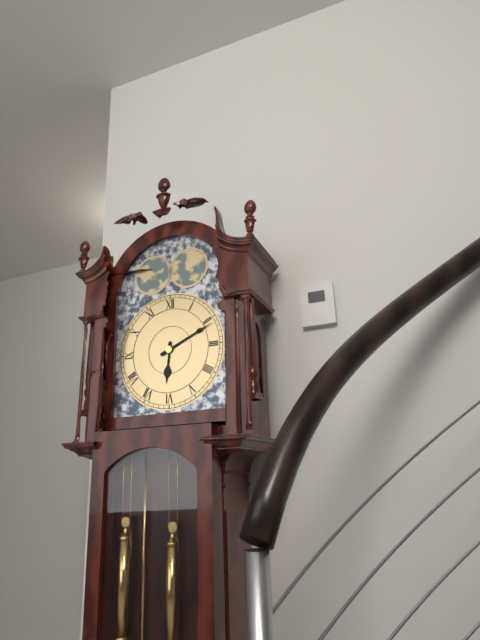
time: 6:11
